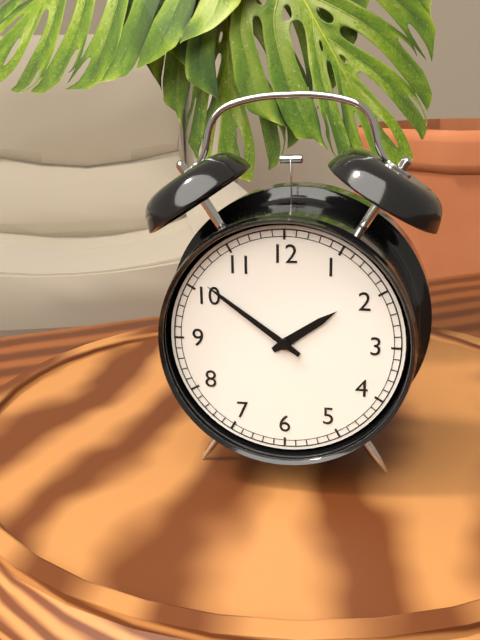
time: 1:51
